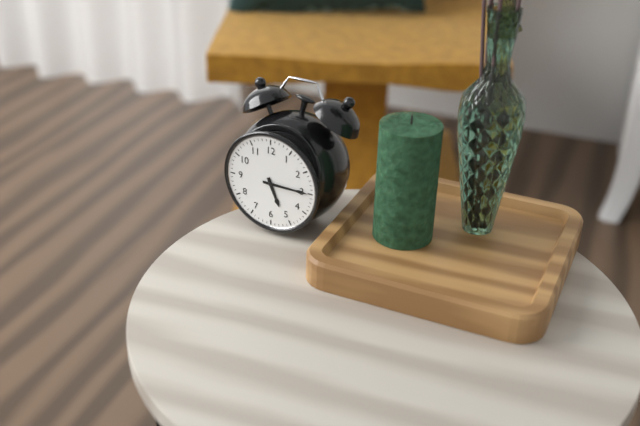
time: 5:15
